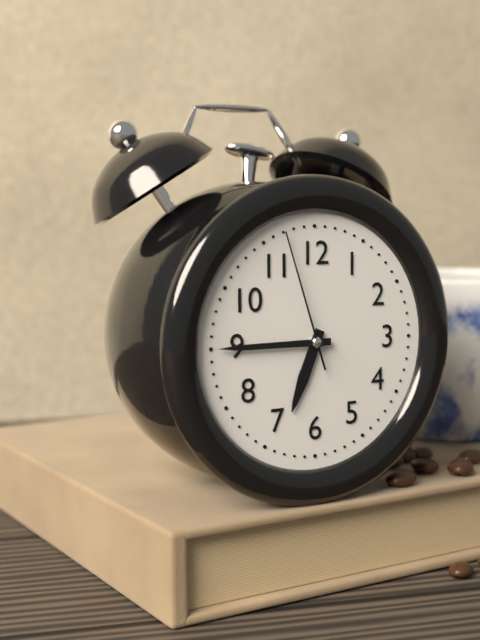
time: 6:45:57
